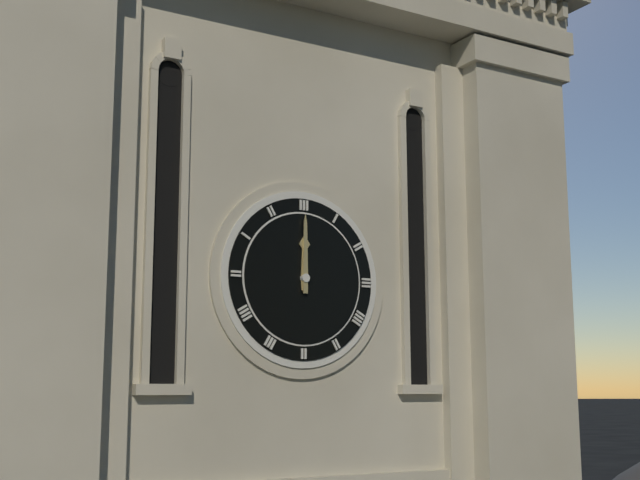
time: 12:00
